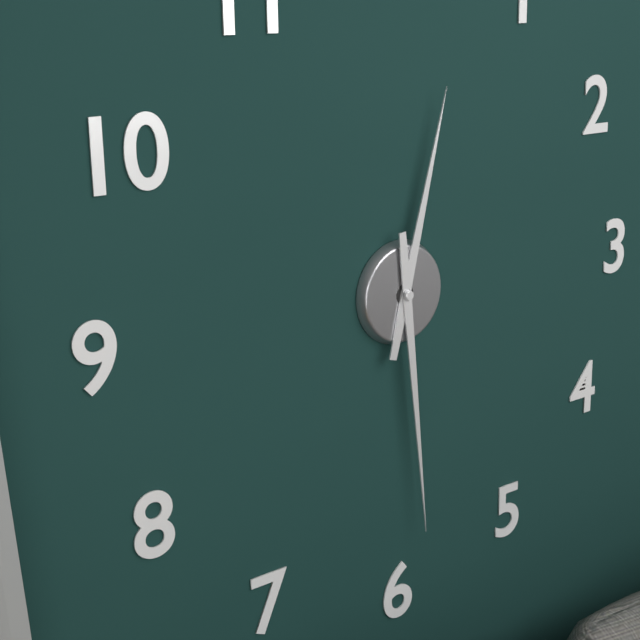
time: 12:29
